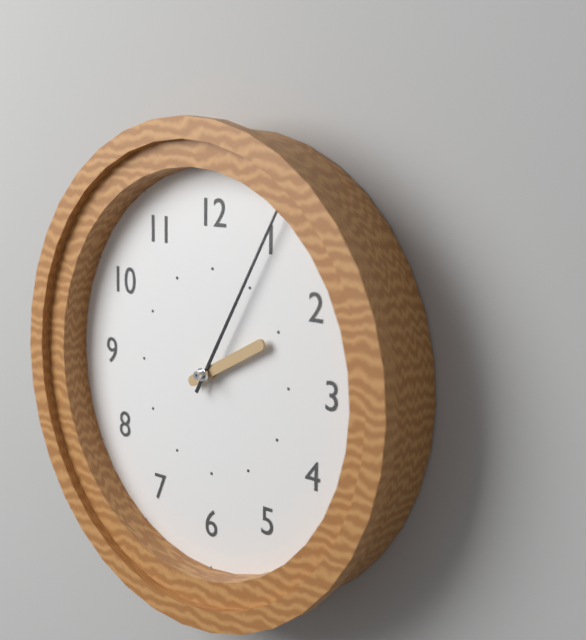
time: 2:05
